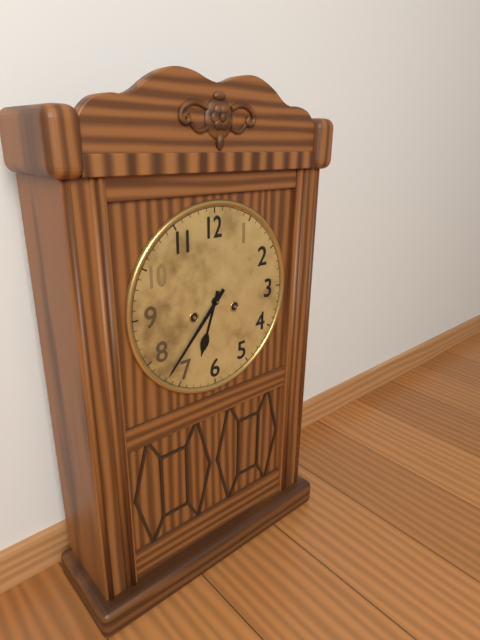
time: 6:37
